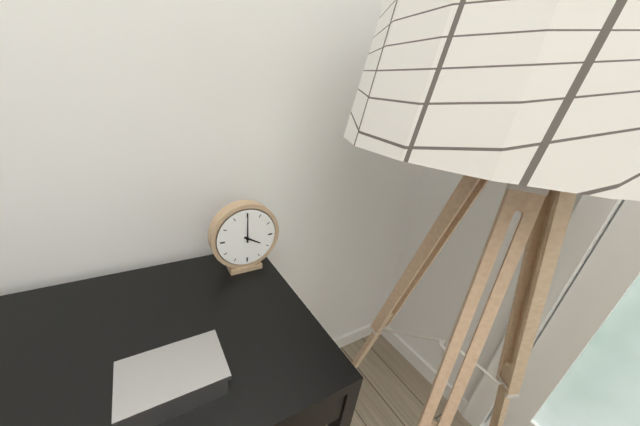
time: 4:00
